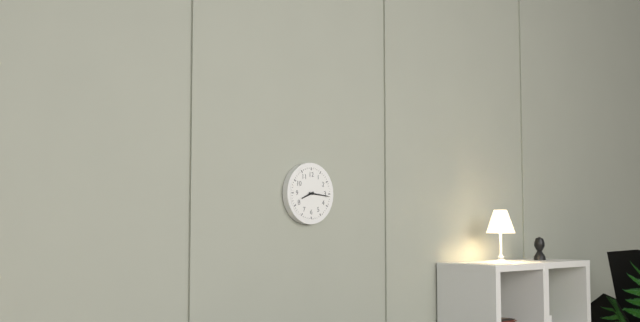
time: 8:16
